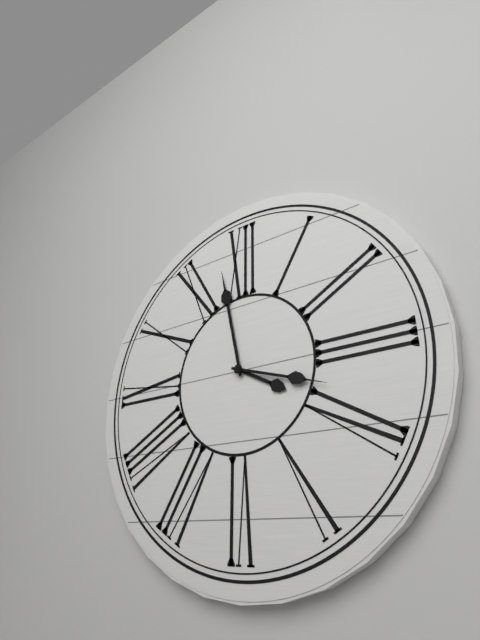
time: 3:58:18
